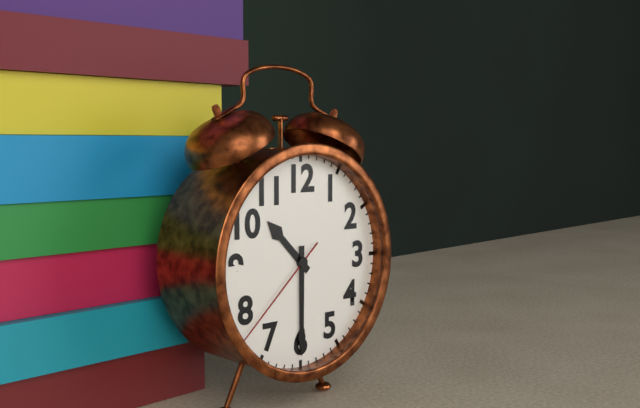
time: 10:30:38
